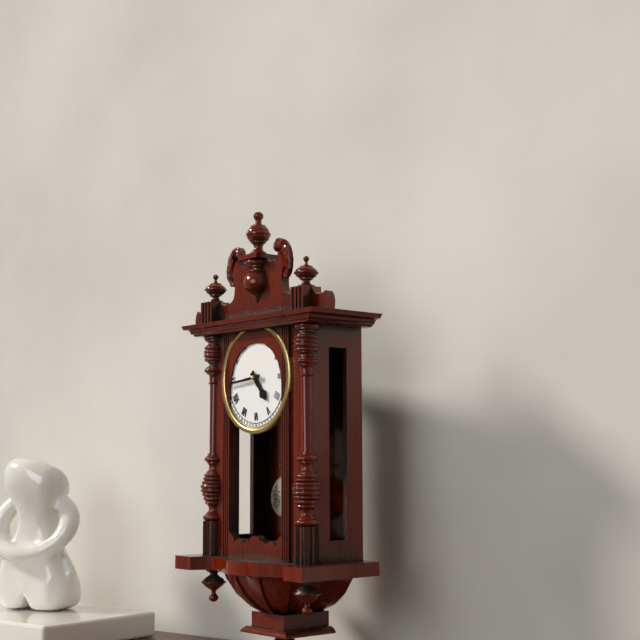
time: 4:44
